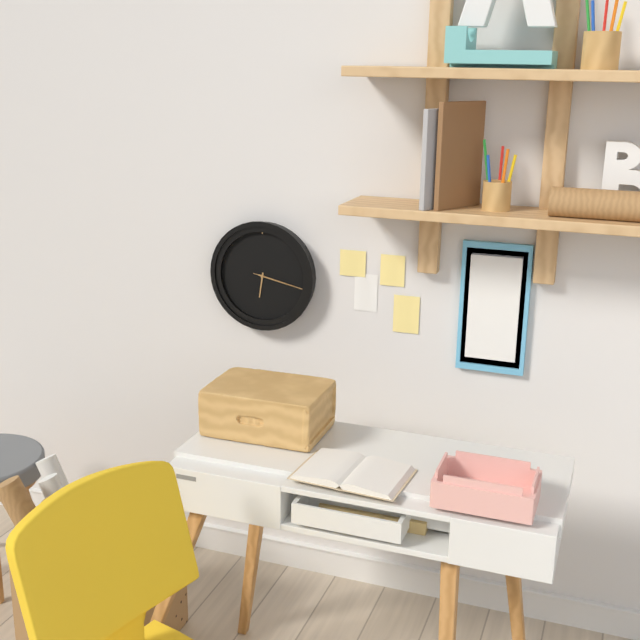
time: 6:17
